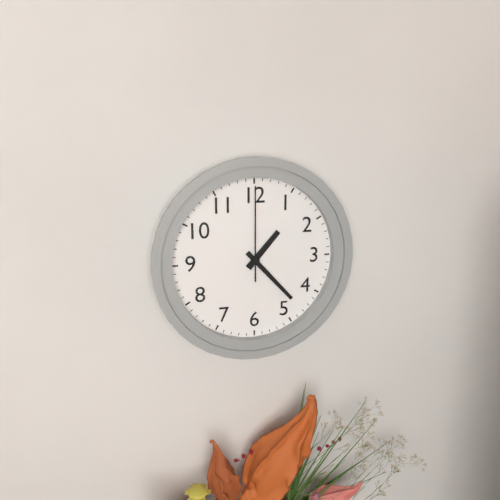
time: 1:23:00
